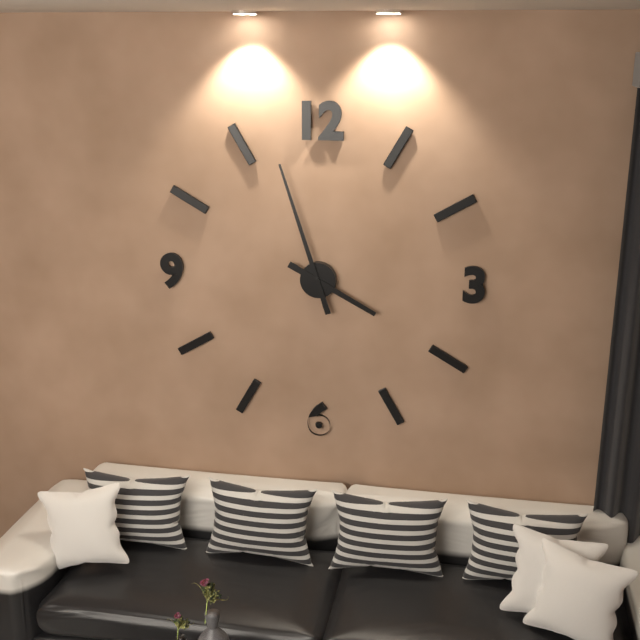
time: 3:57
